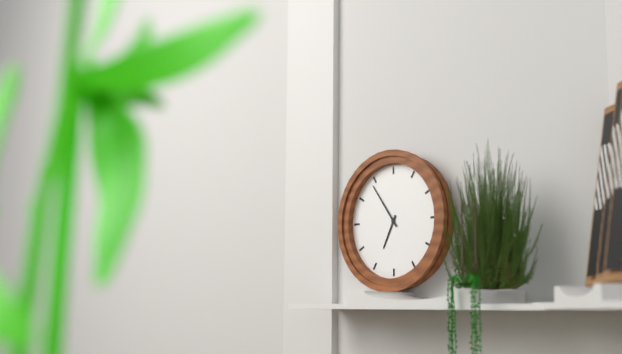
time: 6:54
